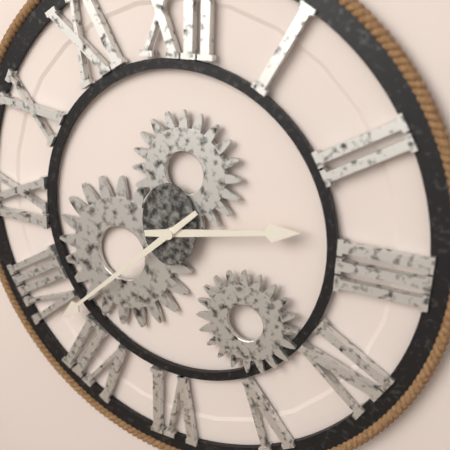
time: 2:38
